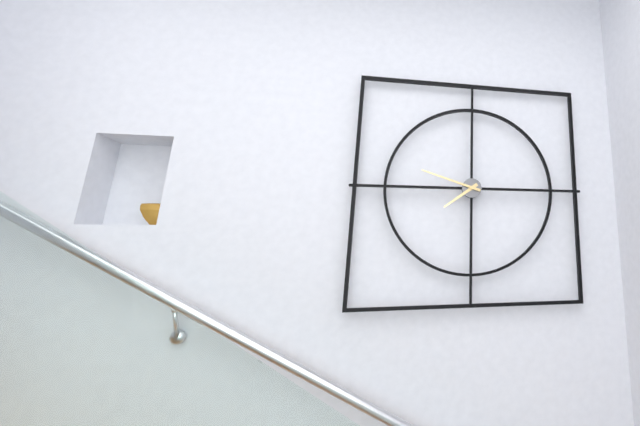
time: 7:48
